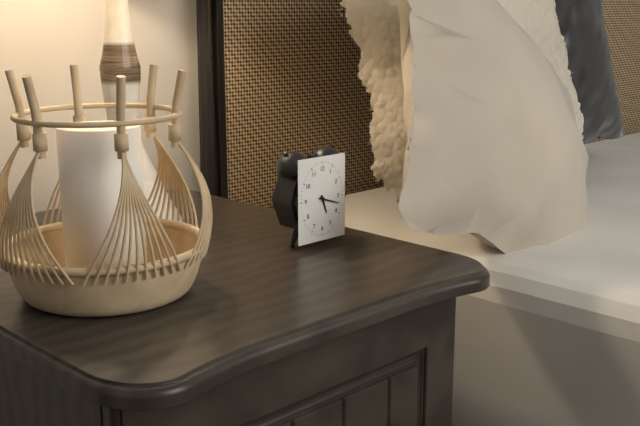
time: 5:18
